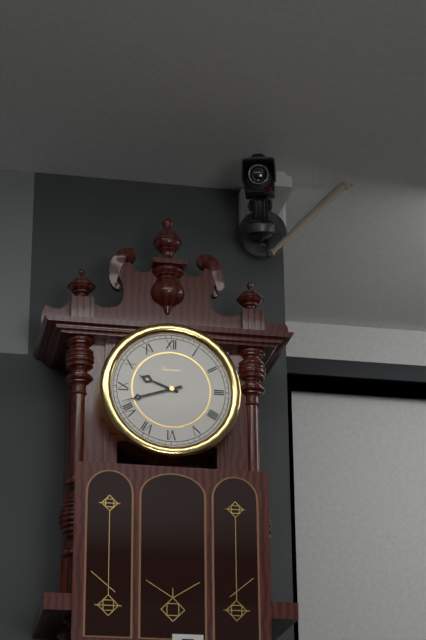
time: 9:42
